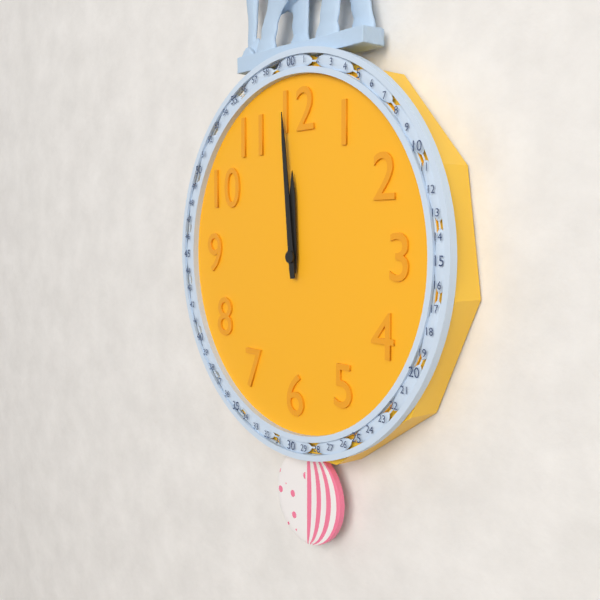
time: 11:59
